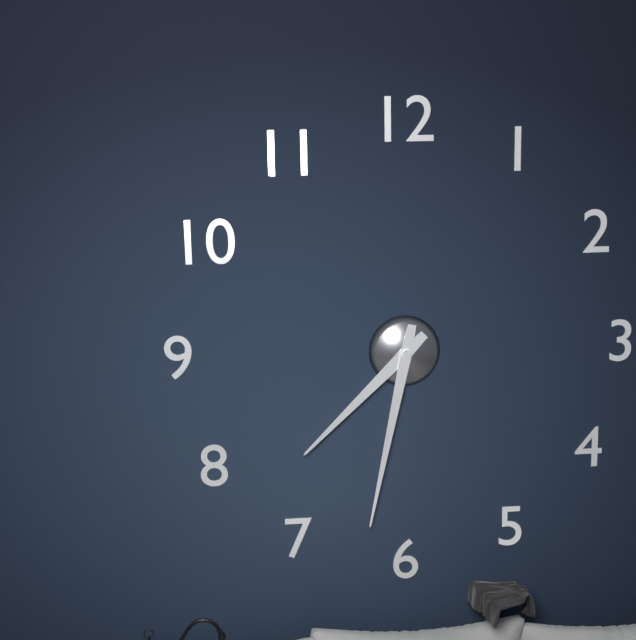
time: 7:32
